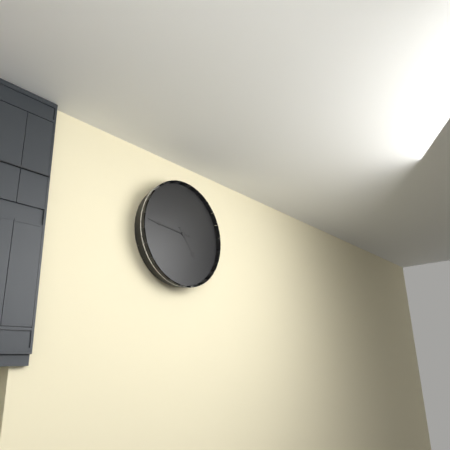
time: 4:46
